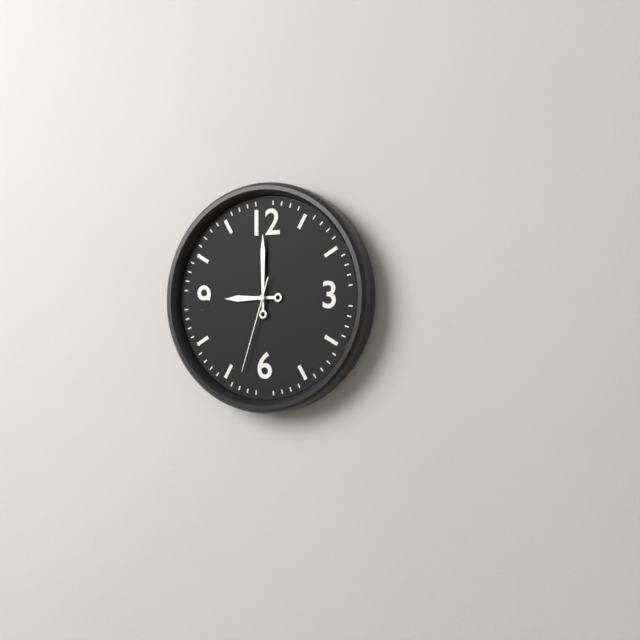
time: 9:00:33
